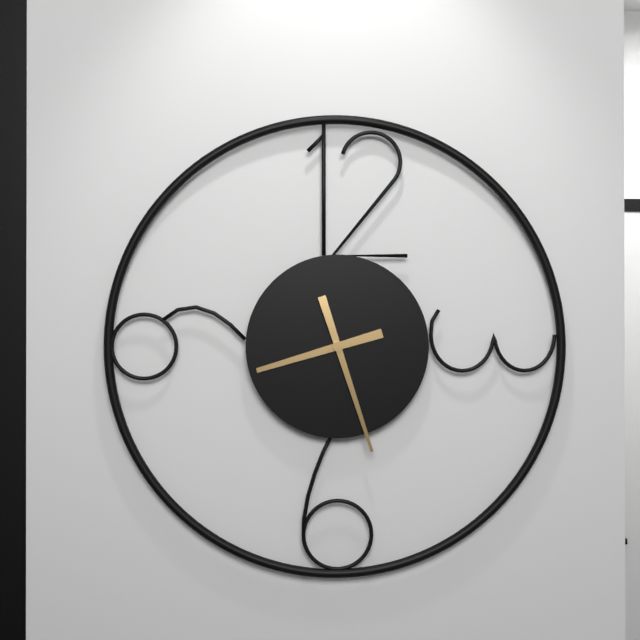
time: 8:27
